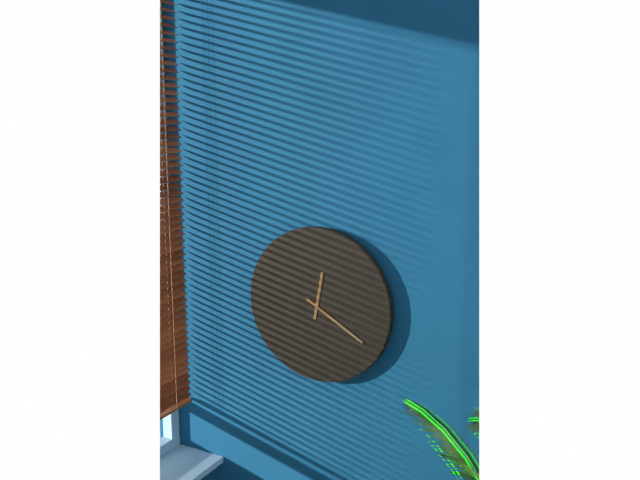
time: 12:20
